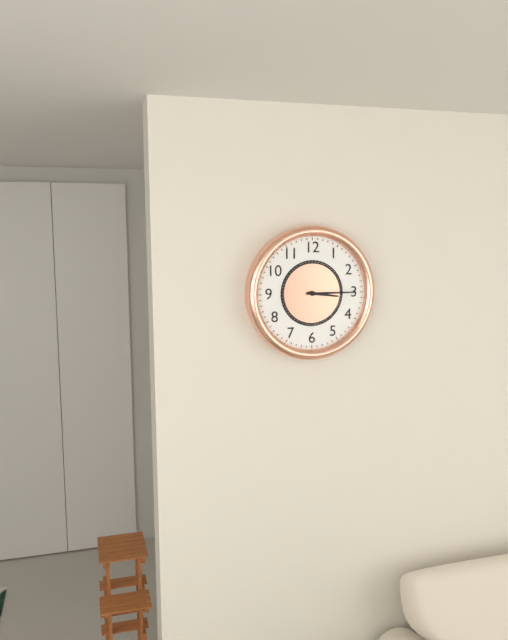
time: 3:15
